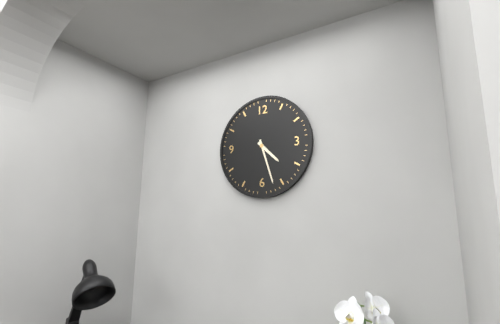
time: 4:27
